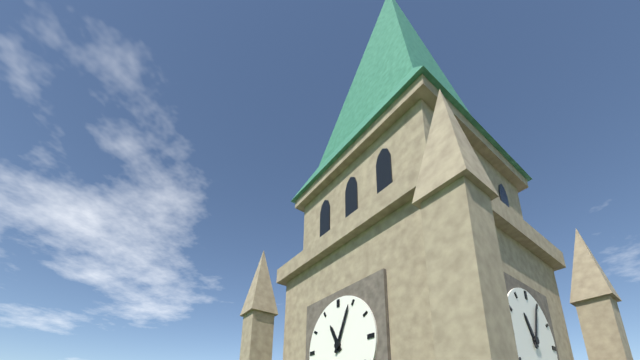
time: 11:04
